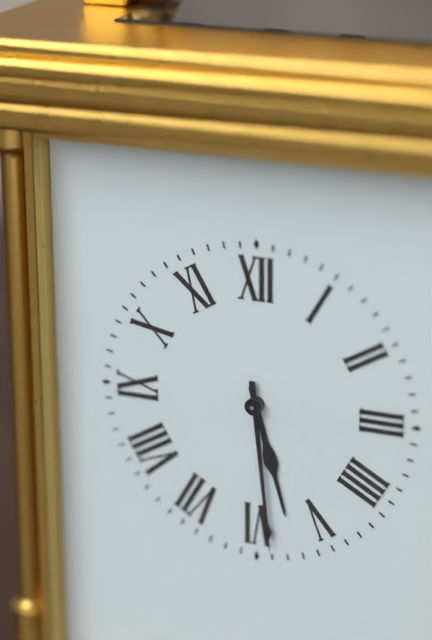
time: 5:29
